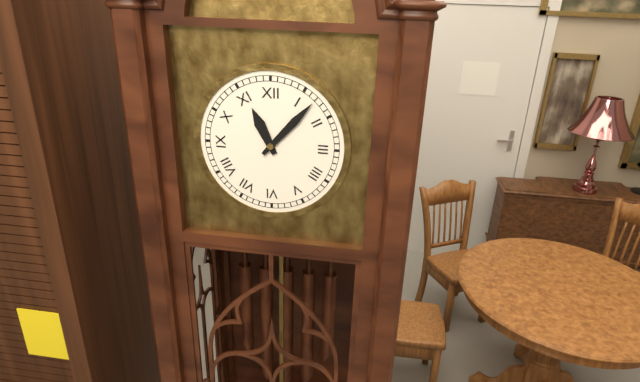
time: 11:07
